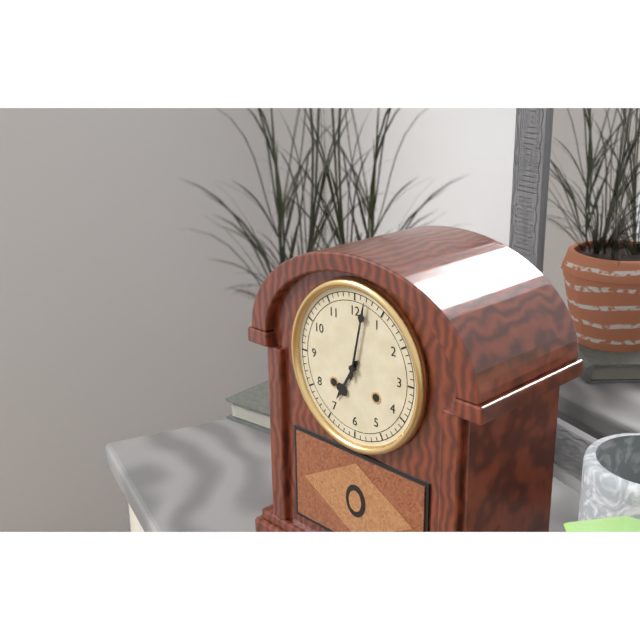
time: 7:02
